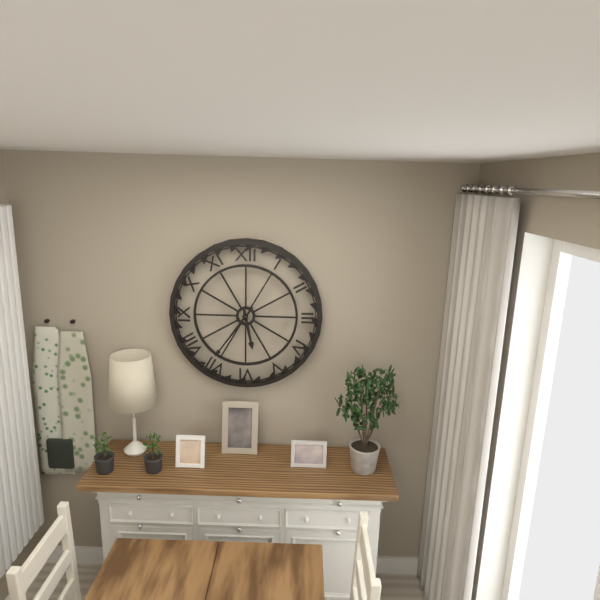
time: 5:36
